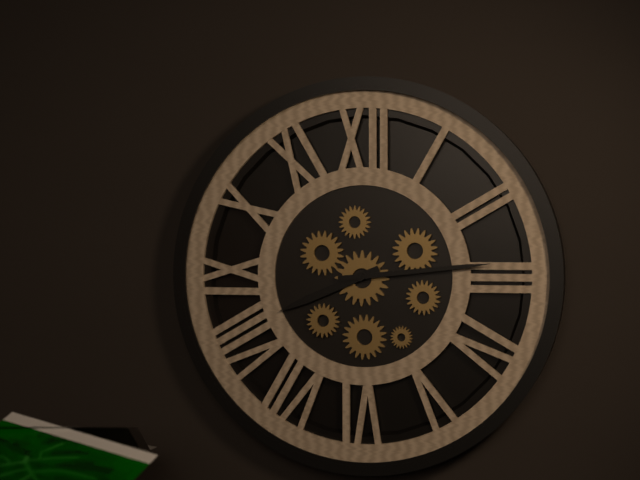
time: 8:14
